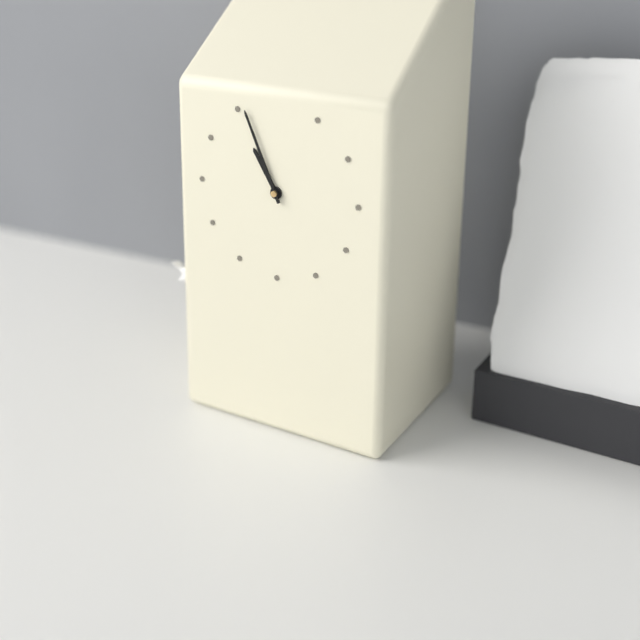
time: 10:56
